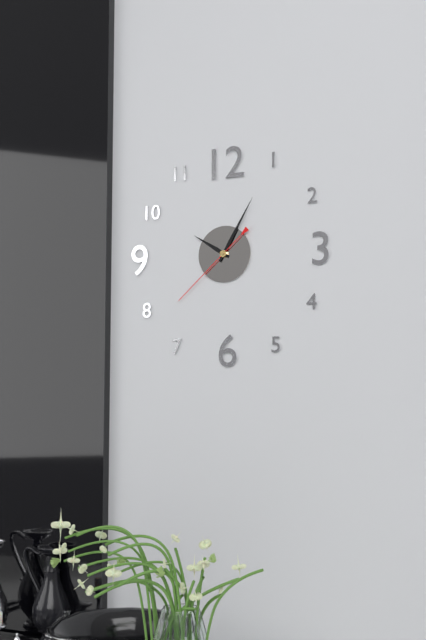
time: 10:05:38
